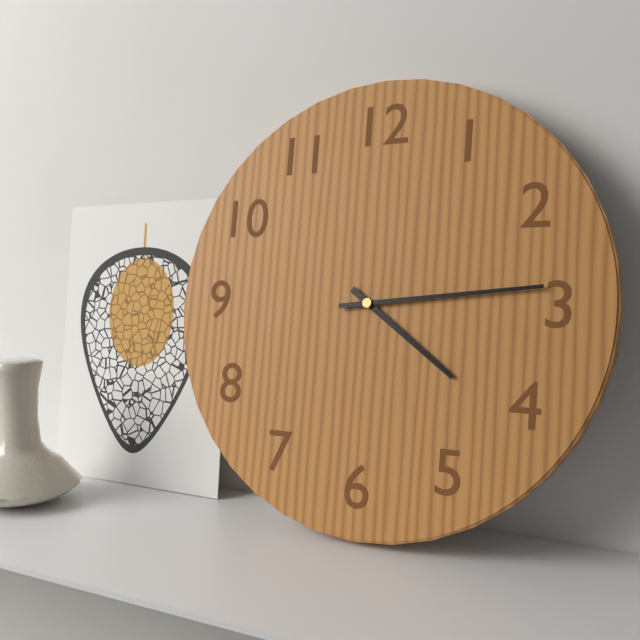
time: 4:14
